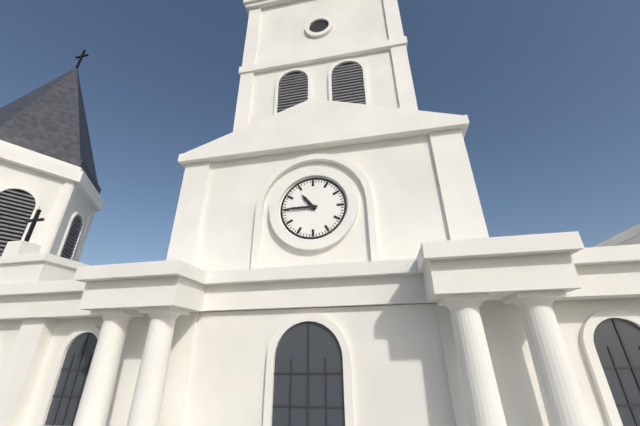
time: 10:45
